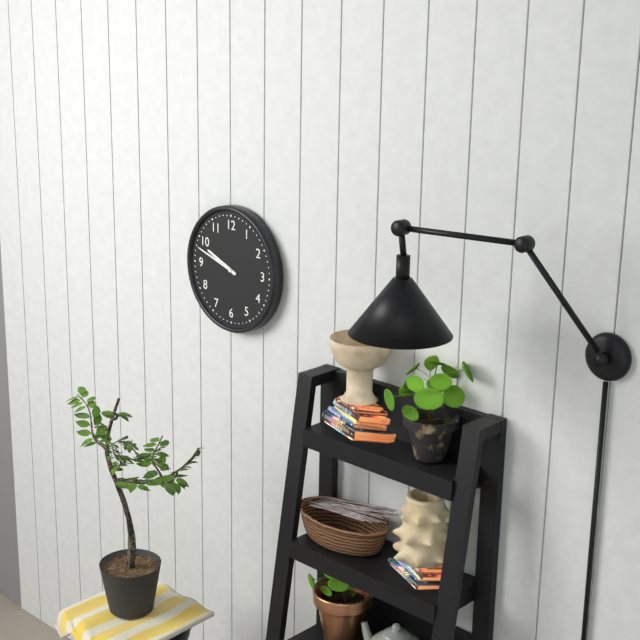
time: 9:48
